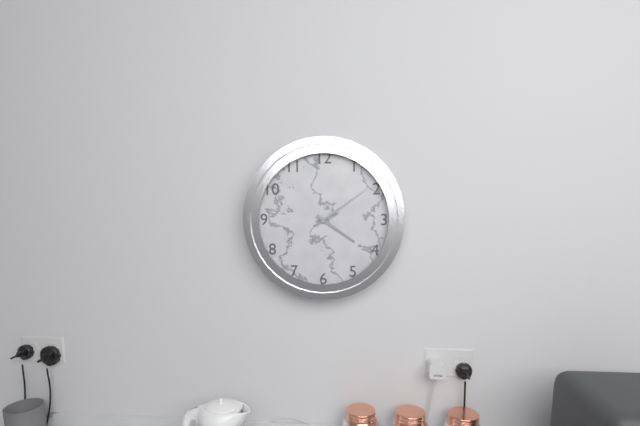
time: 4:09
